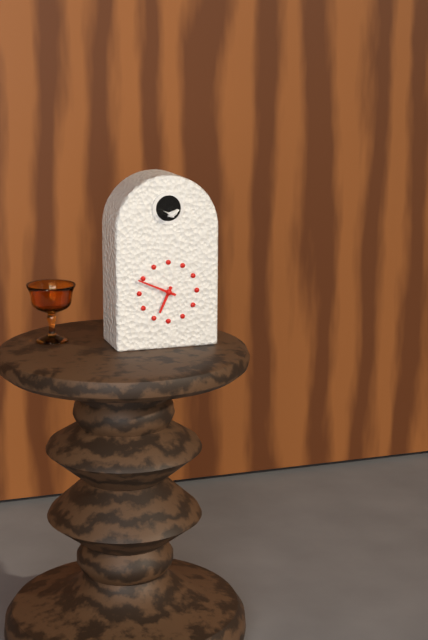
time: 6:49
